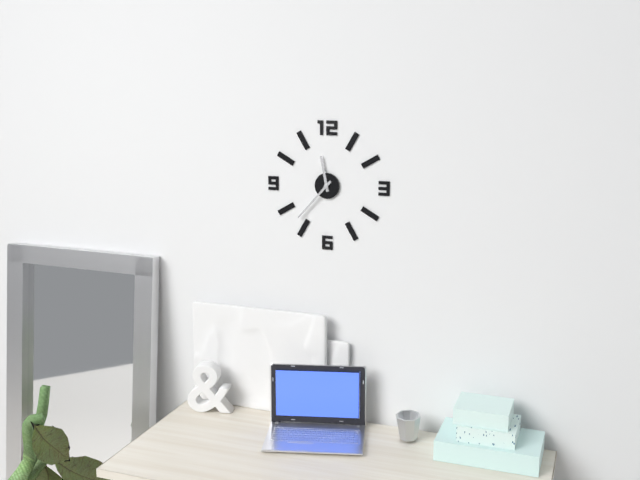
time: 11:37
